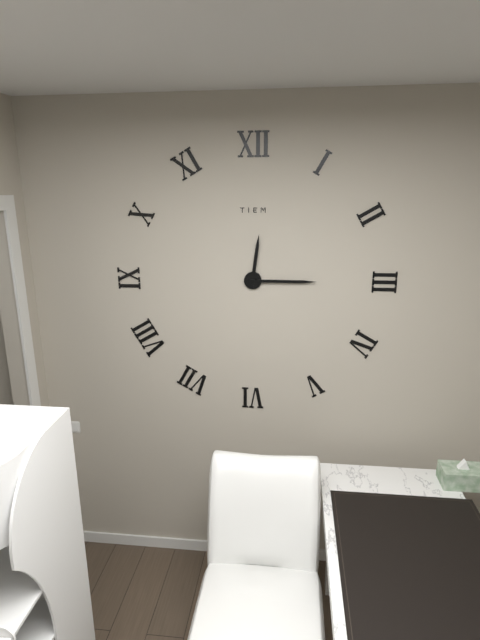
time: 12:15
